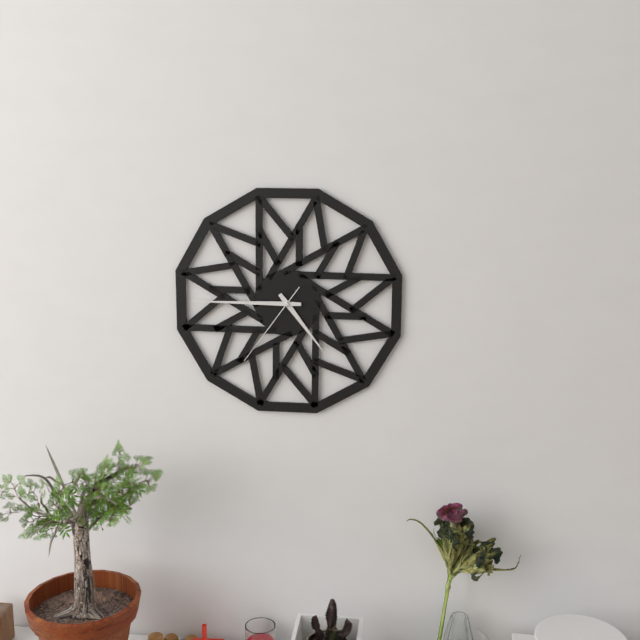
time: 4:45:36
